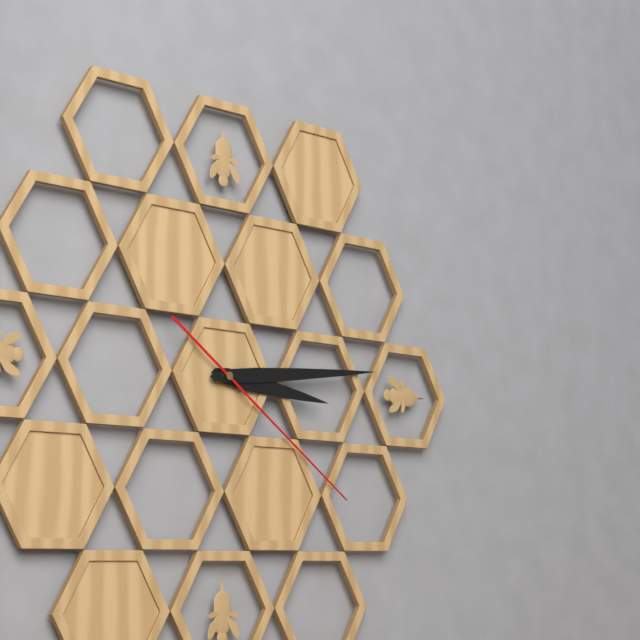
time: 3:14:21
